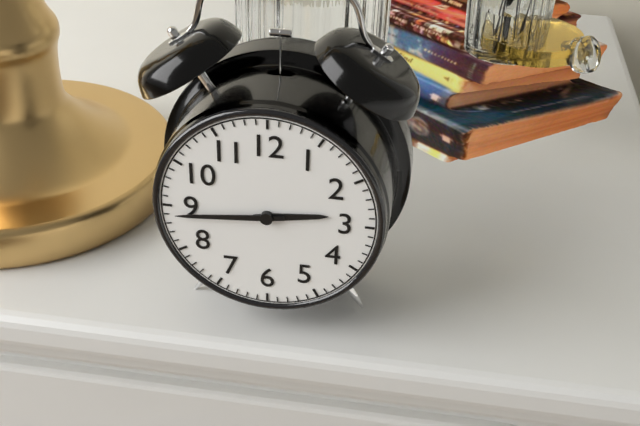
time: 2:44
